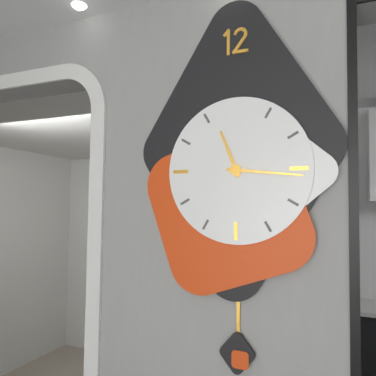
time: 11:16
